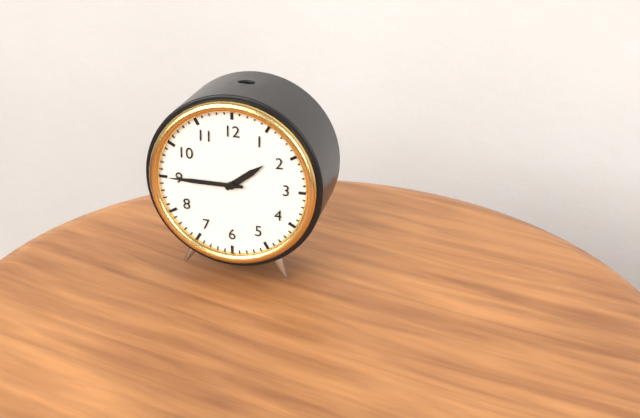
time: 1:45
